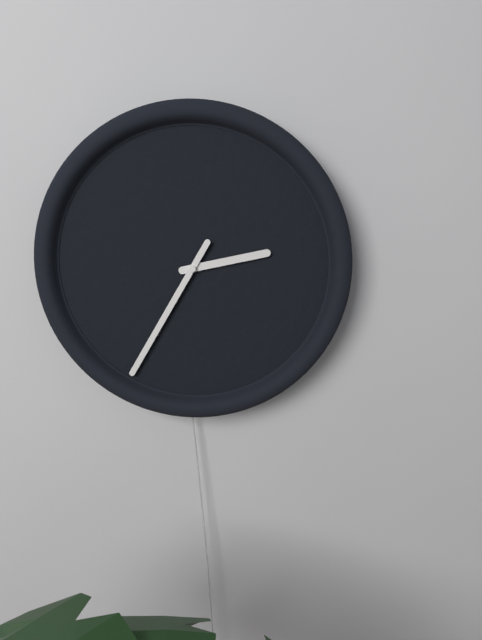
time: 2:35
